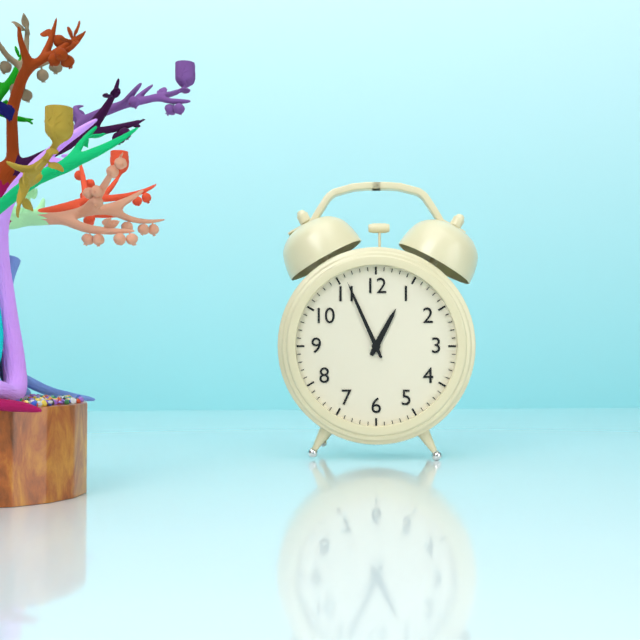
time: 12:56
